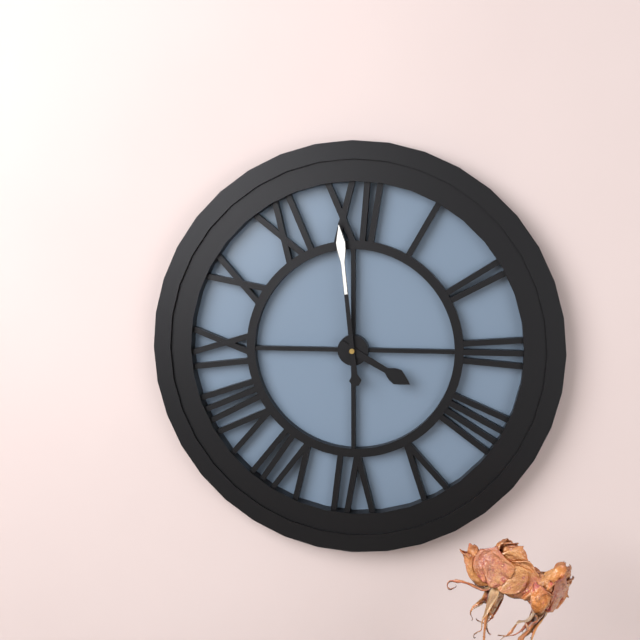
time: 3:59
